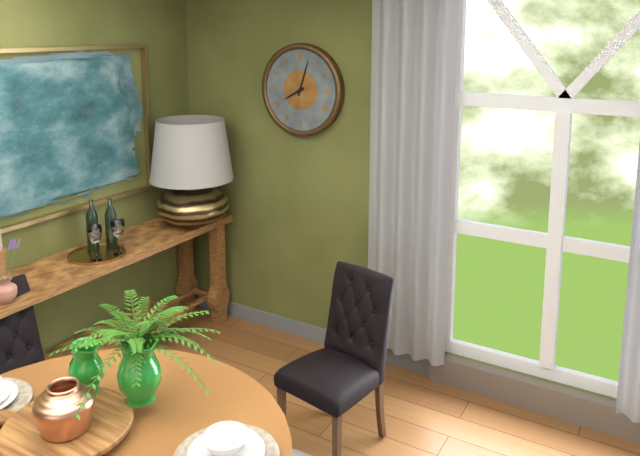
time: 8:03
